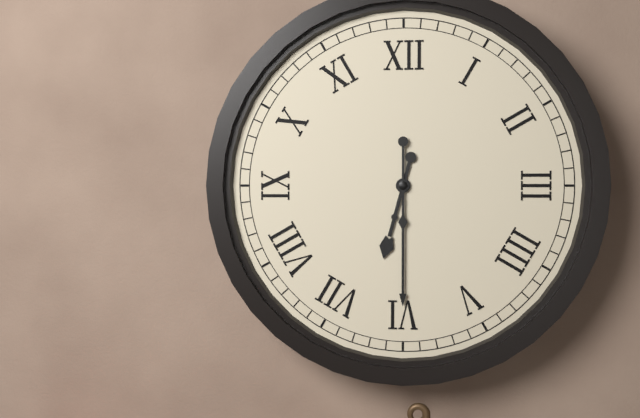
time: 6:30
